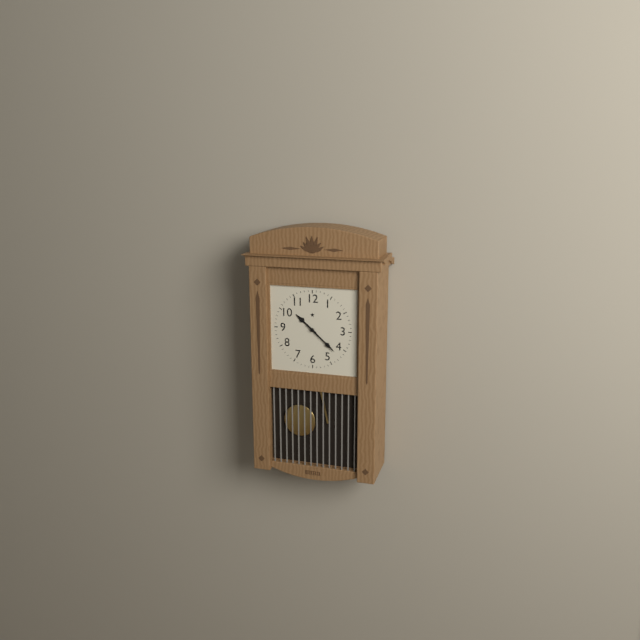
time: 10:22
